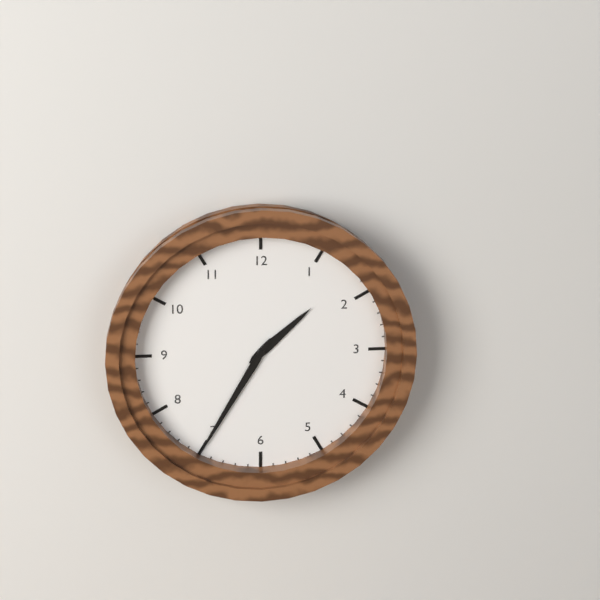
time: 1:35
